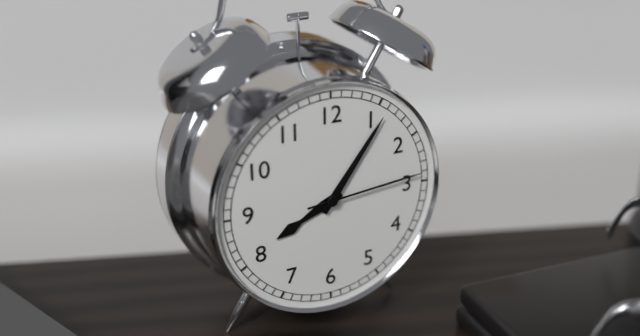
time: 8:06:14
